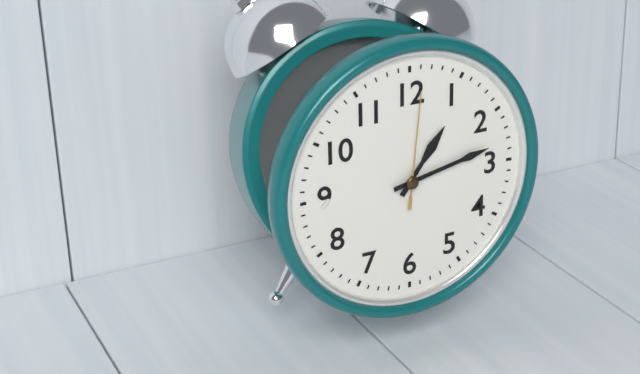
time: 1:13:01
